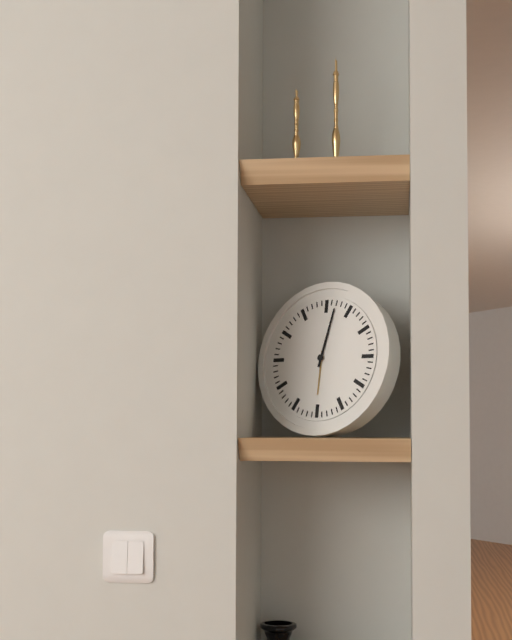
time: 6:02
